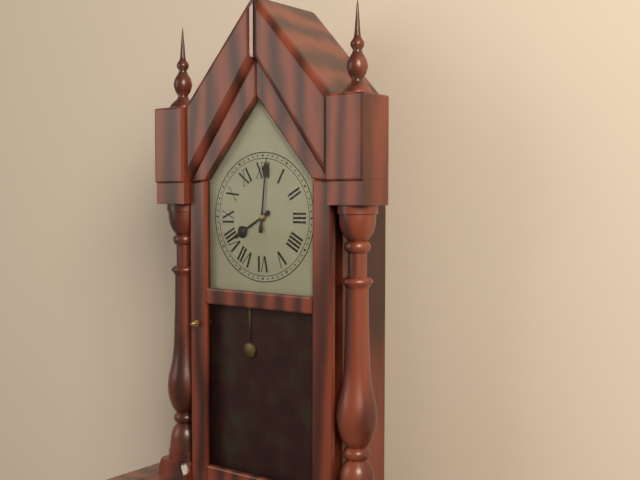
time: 8:01
